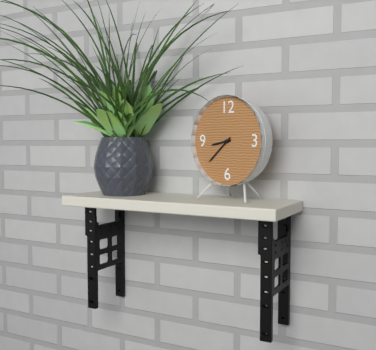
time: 8:38
